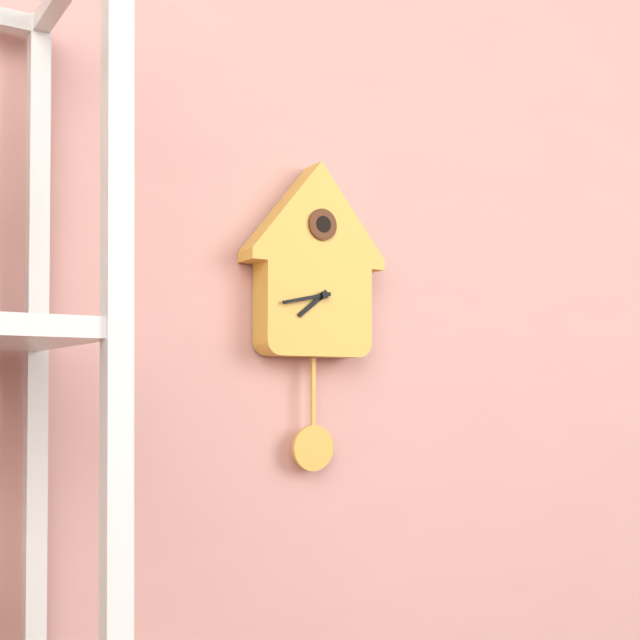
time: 7:43
